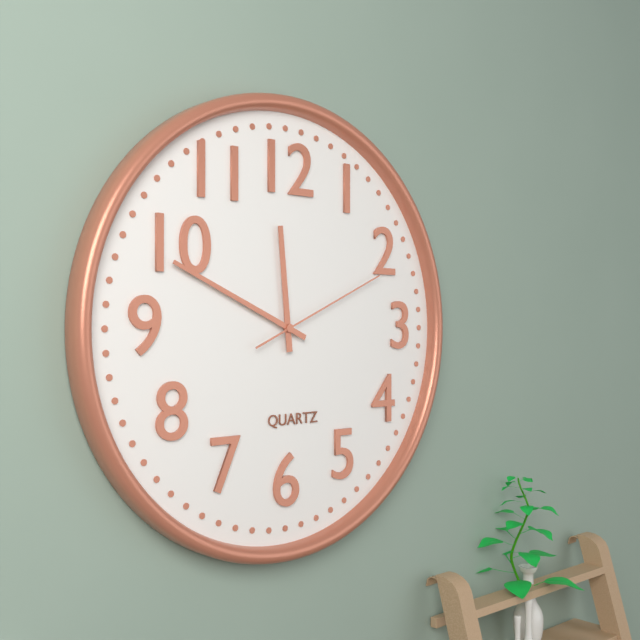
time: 11:49:11
